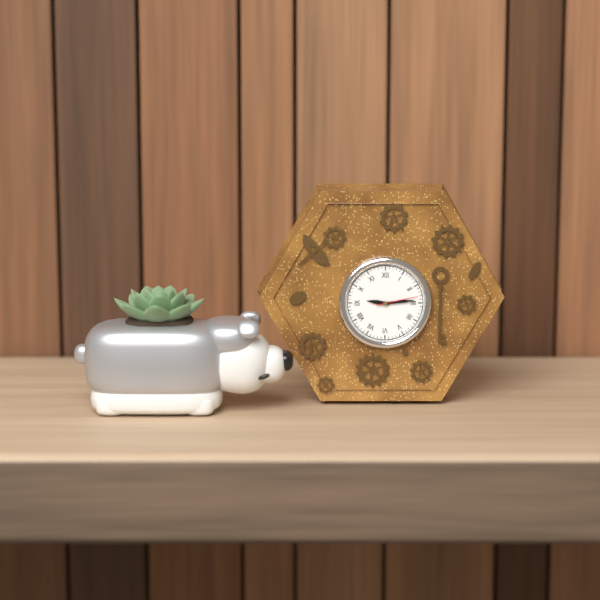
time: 9:14
